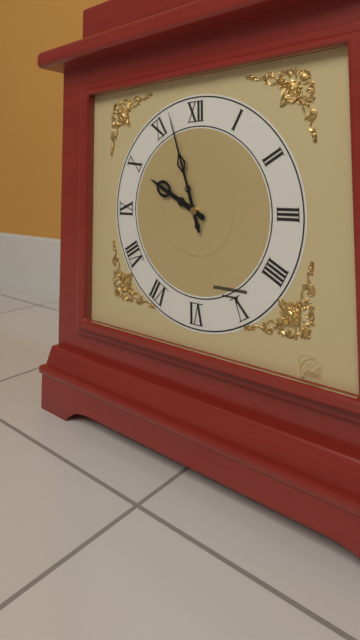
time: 9:57
